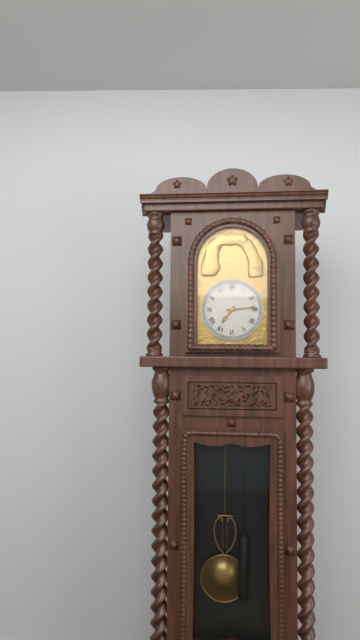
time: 7:14
